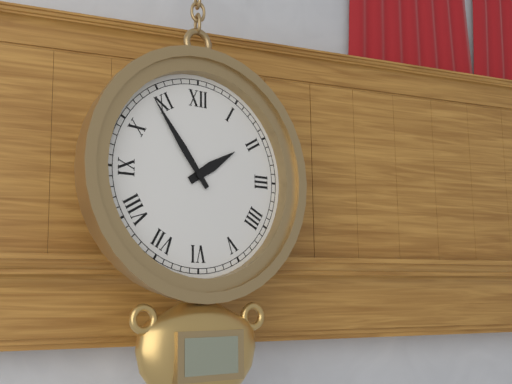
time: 1:54
